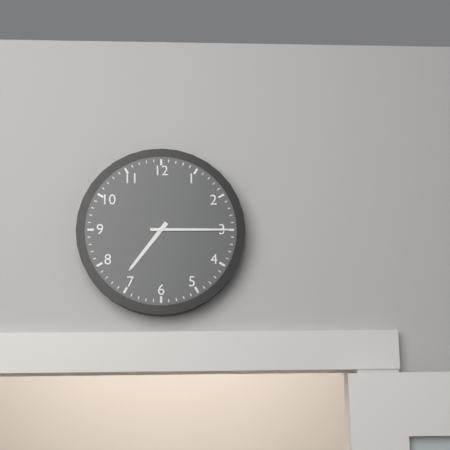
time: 7:15
